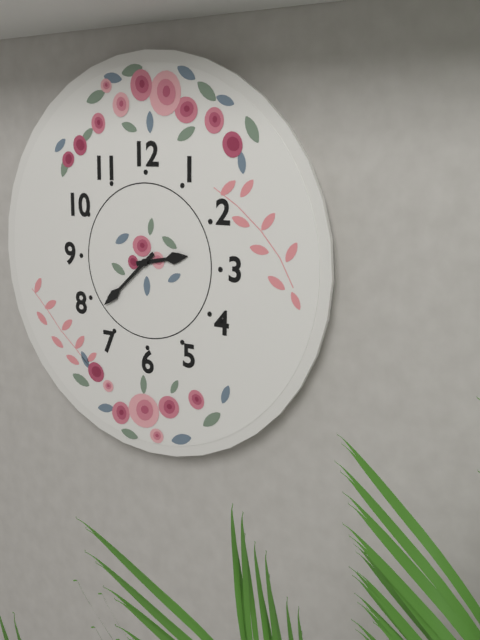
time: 2:38
